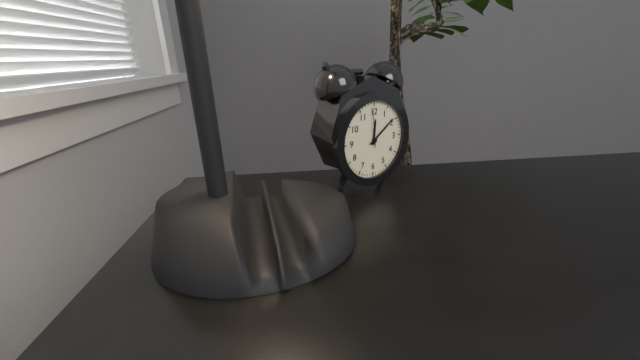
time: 12:09
